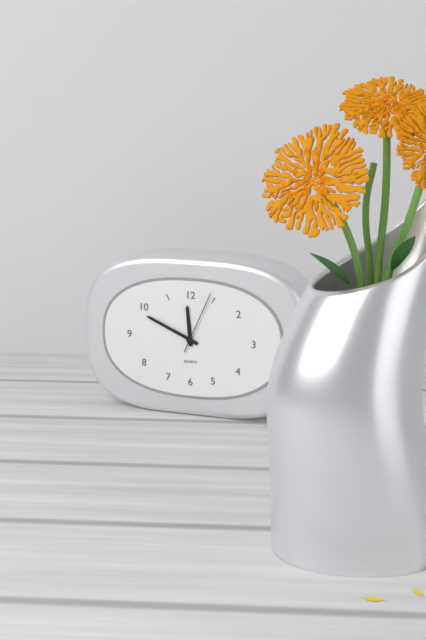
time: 11:49:04
